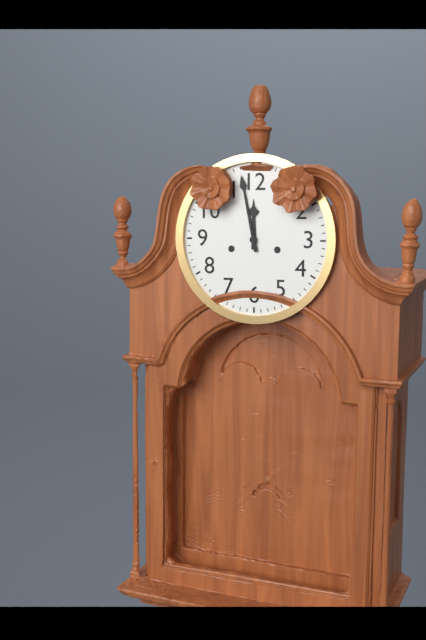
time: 11:58
